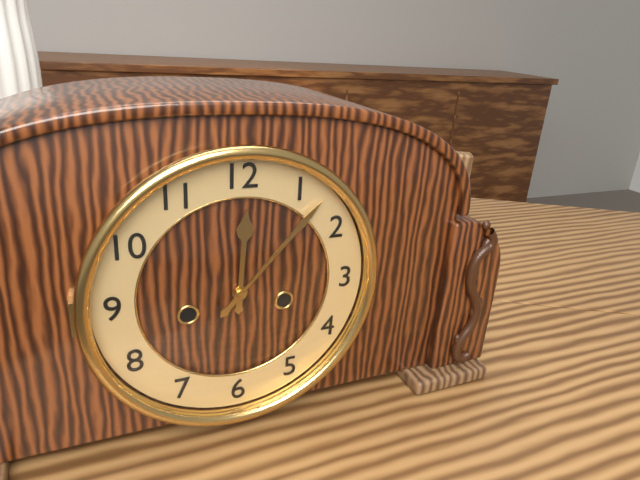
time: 12:07
